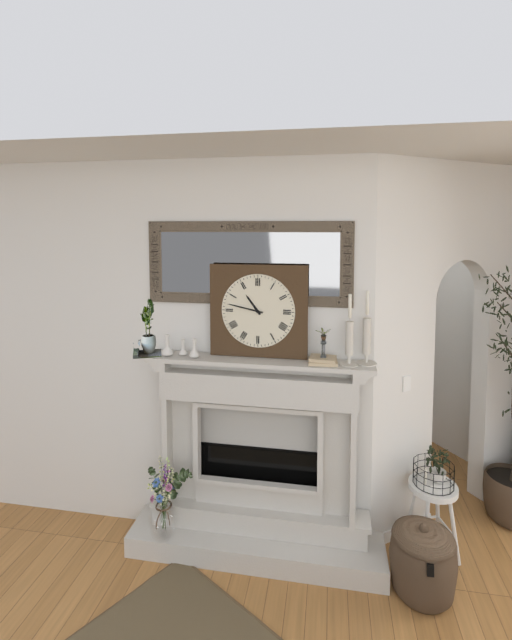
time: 10:47
